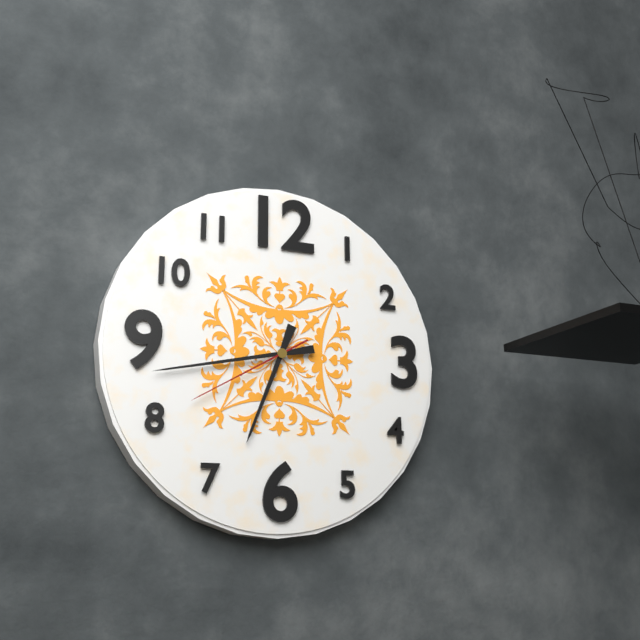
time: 6:43:40
